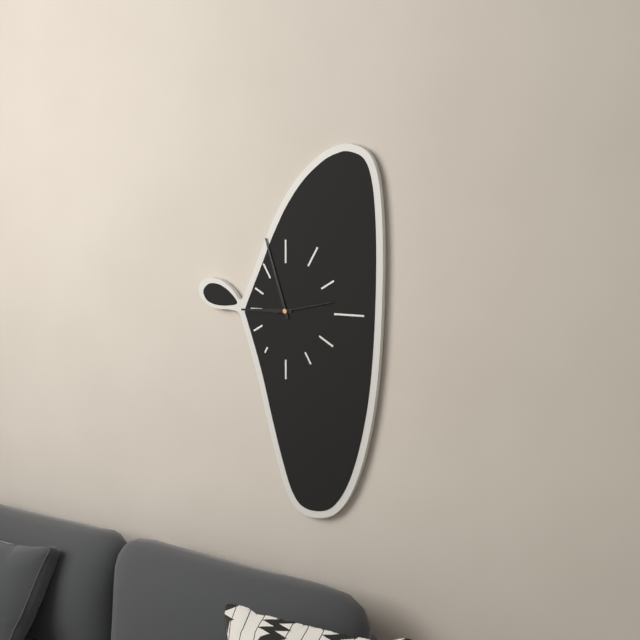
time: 8:57:13
